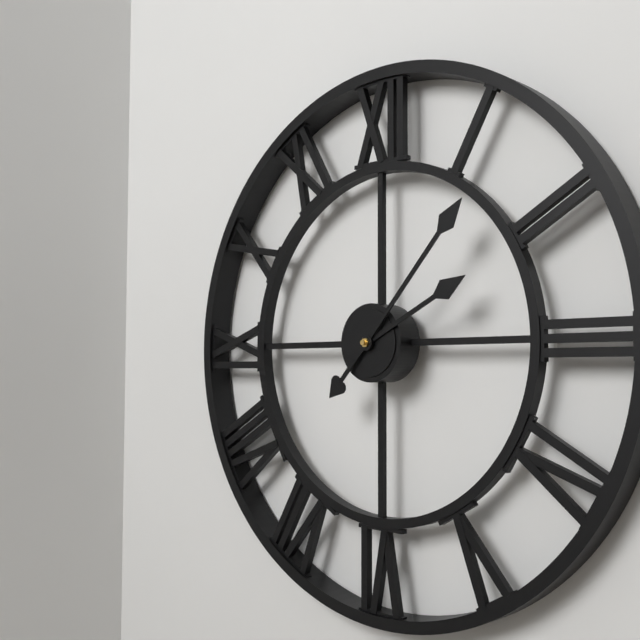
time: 2:07
